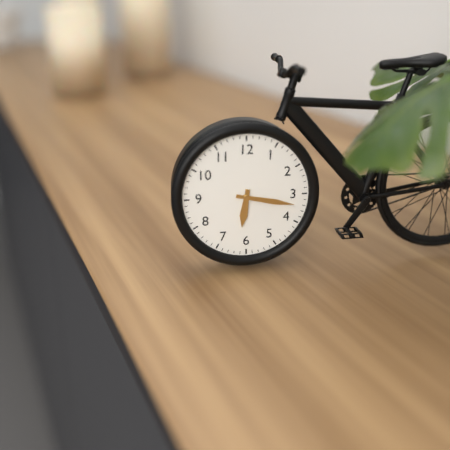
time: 6:17
